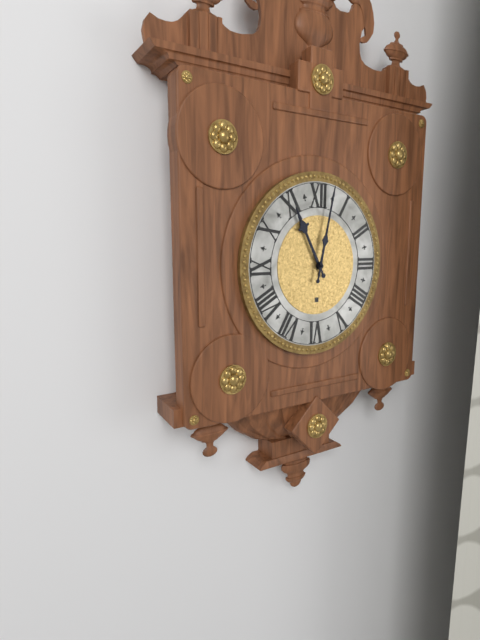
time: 11:02
